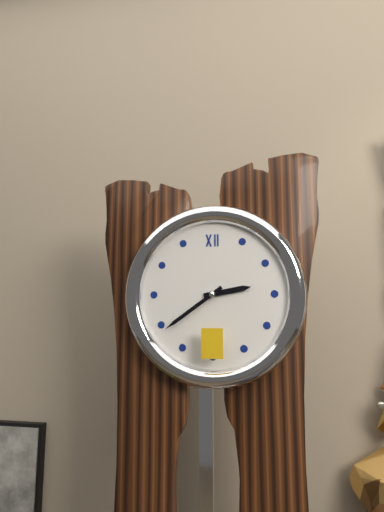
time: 2:39
